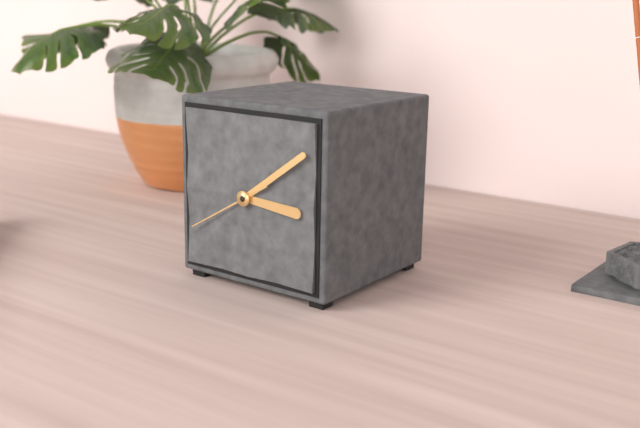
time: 3:09:40
